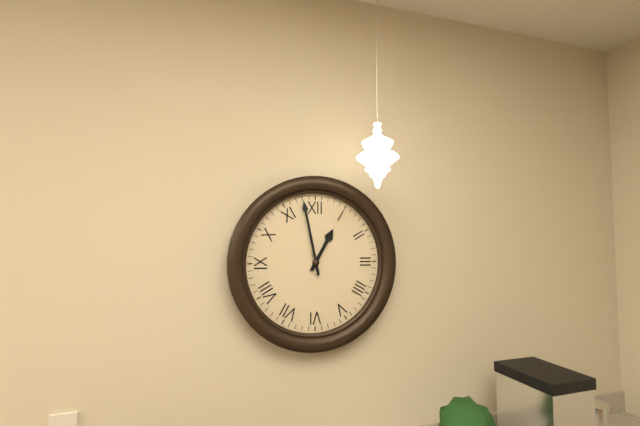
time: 12:58
